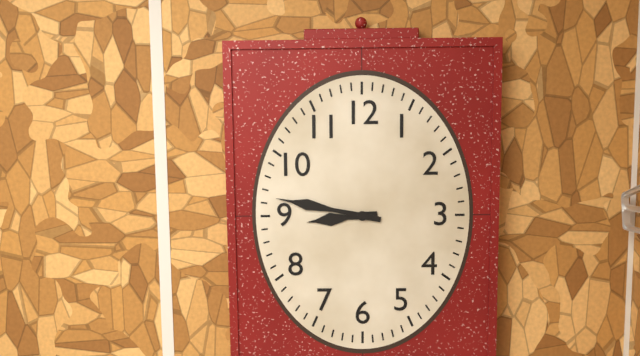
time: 8:47
